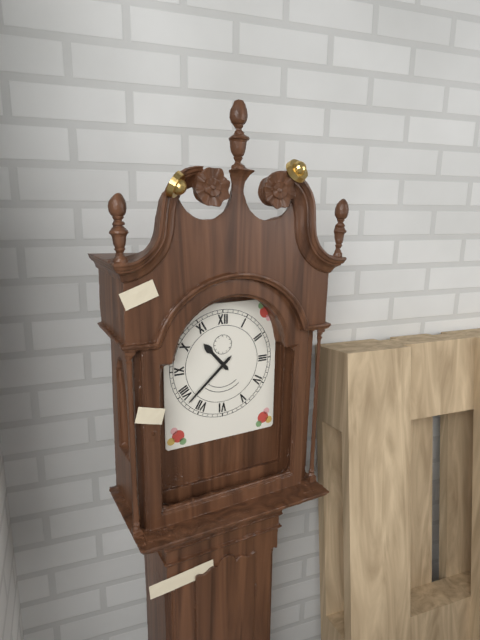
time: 10:38
